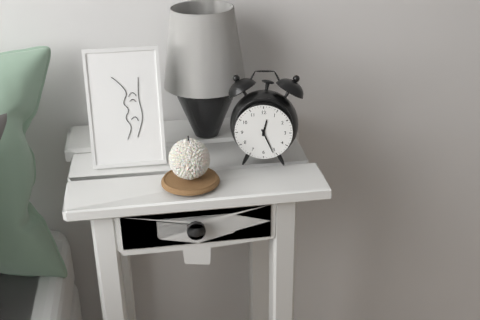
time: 12:26
